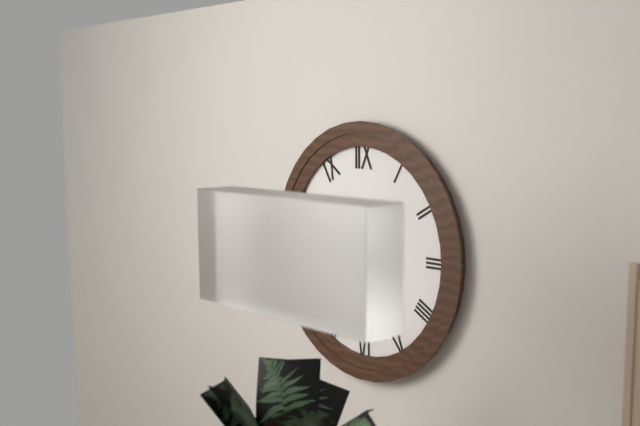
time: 4:49
